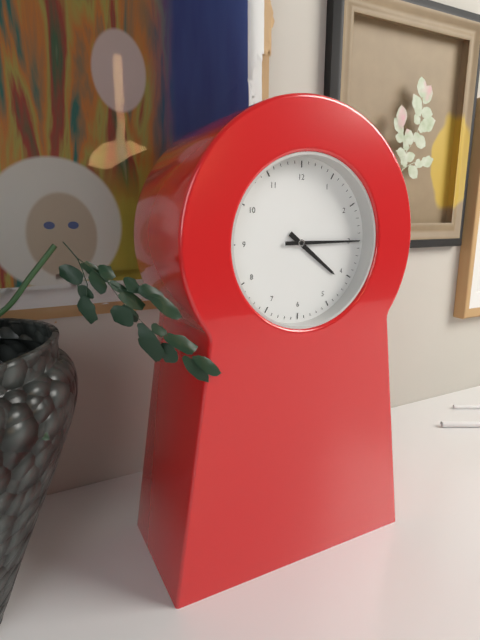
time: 4:15
